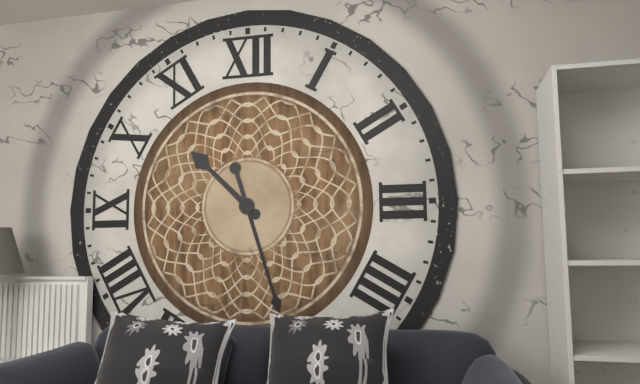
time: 10:27
